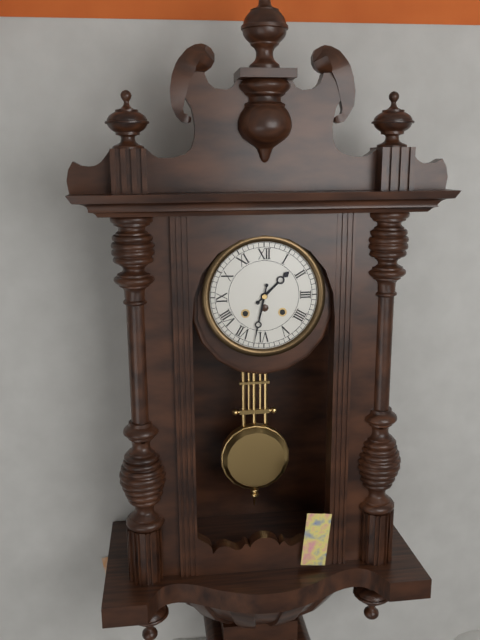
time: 1:32
